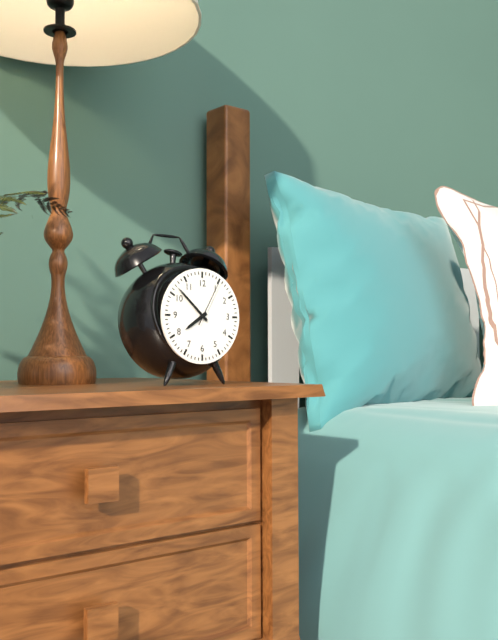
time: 7:52:05
